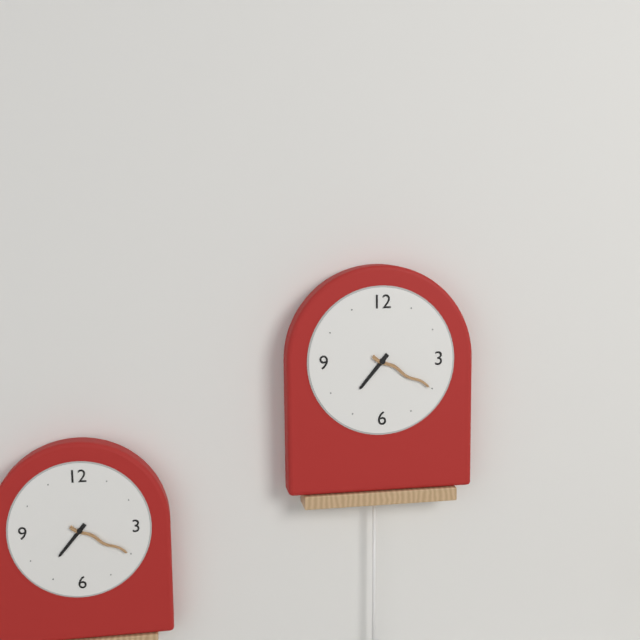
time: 7:20
